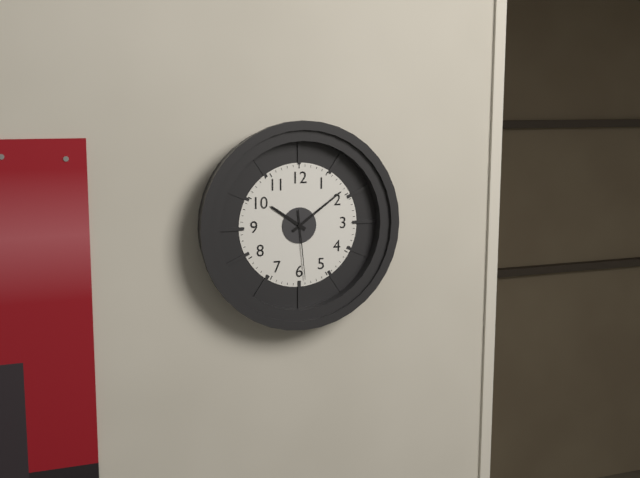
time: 10:09:29
